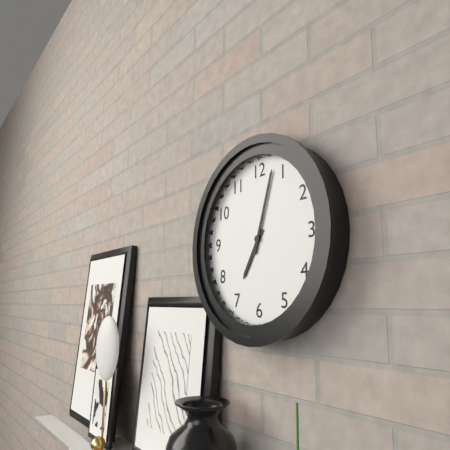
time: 7:03
